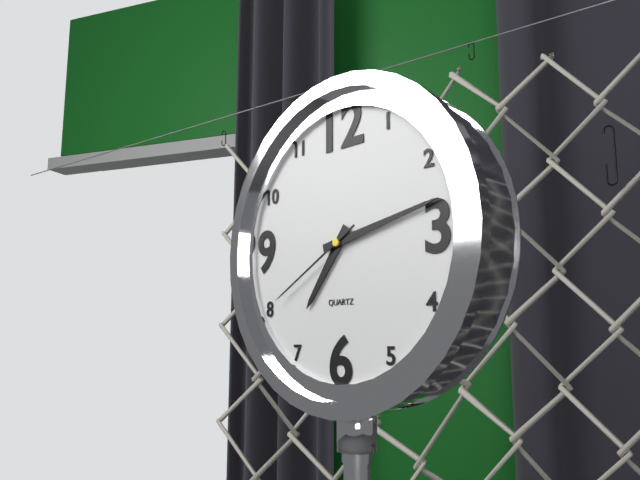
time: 7:13:40
